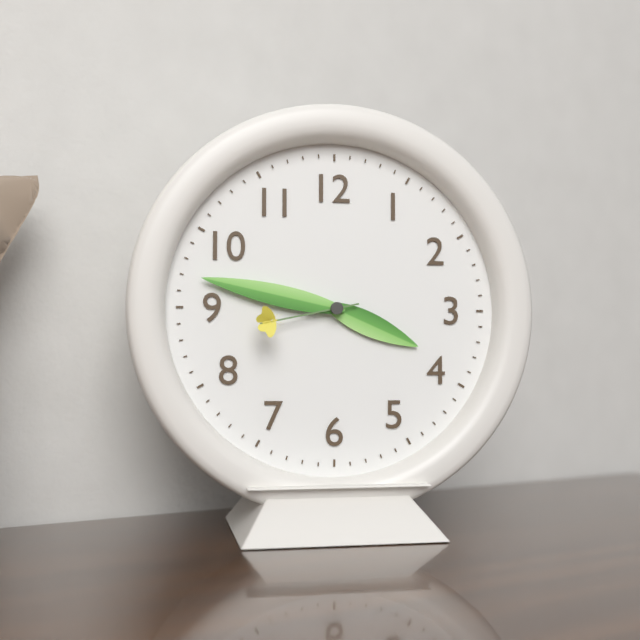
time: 3:47:43
